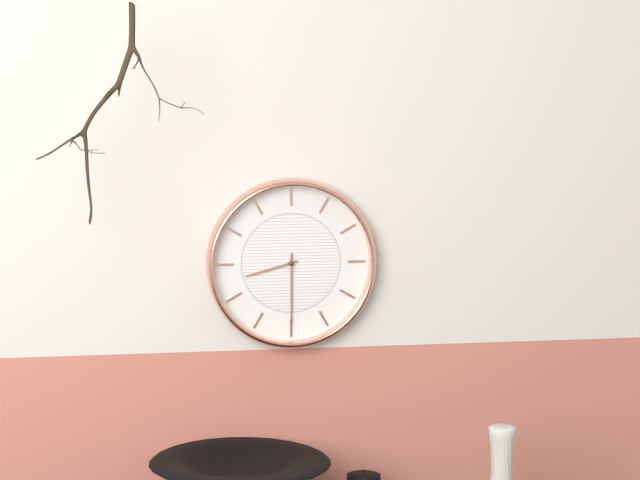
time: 8:30
